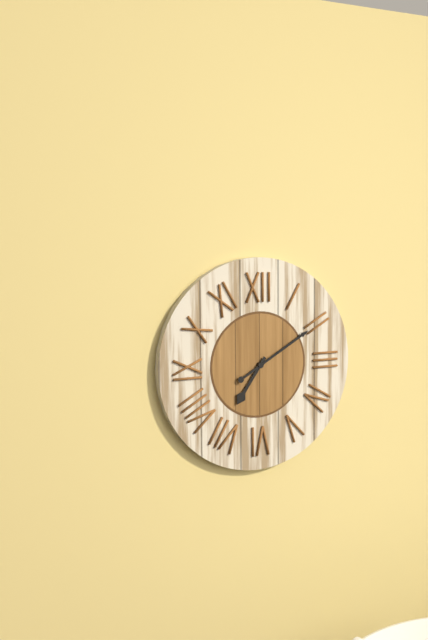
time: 7:10
